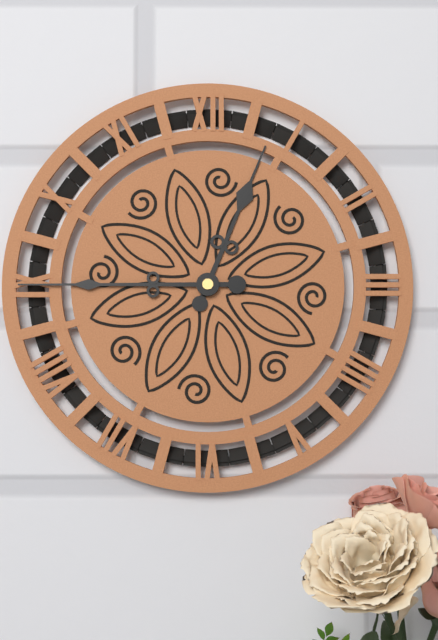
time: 12:45
